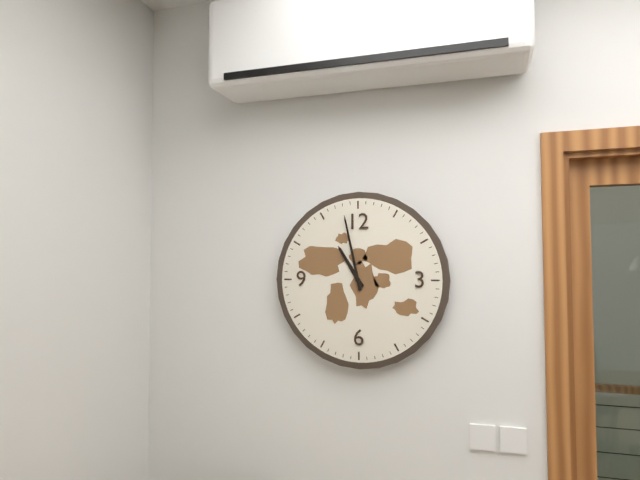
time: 10:58
